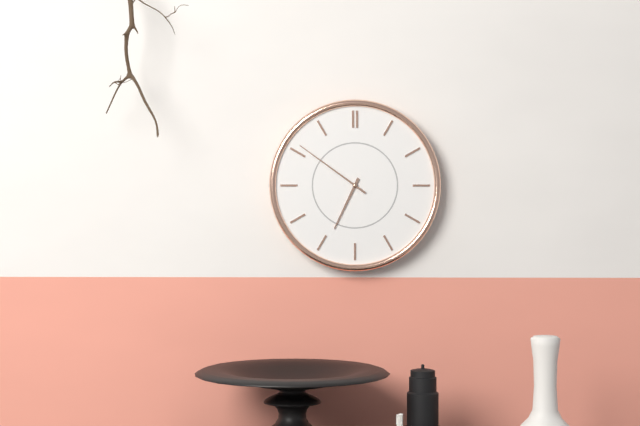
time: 6:51
